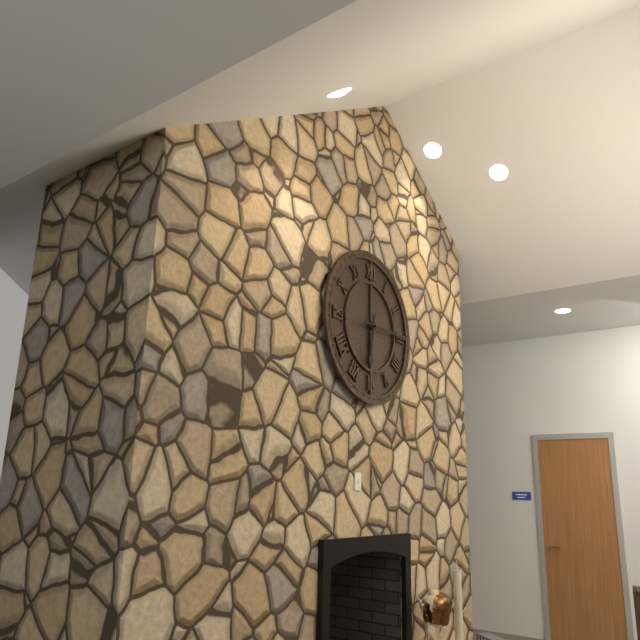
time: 6:15
